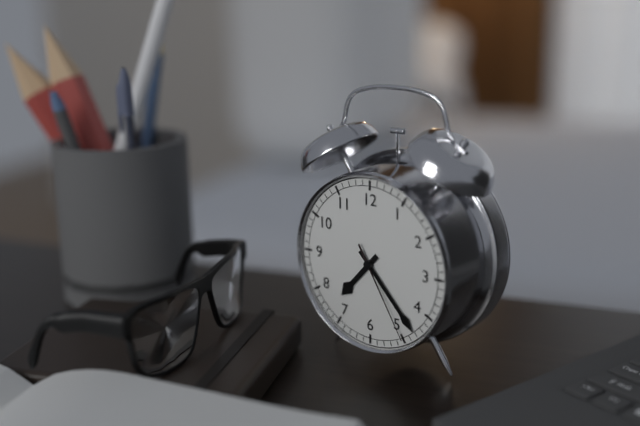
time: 7:23:25
